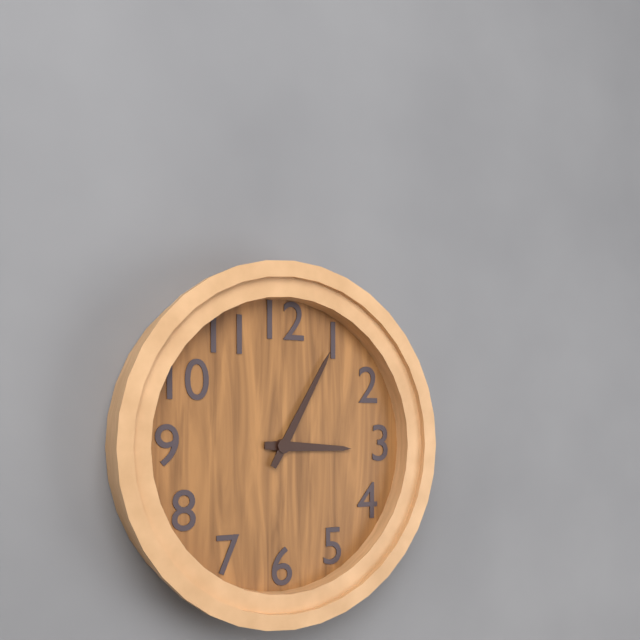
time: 3:05
